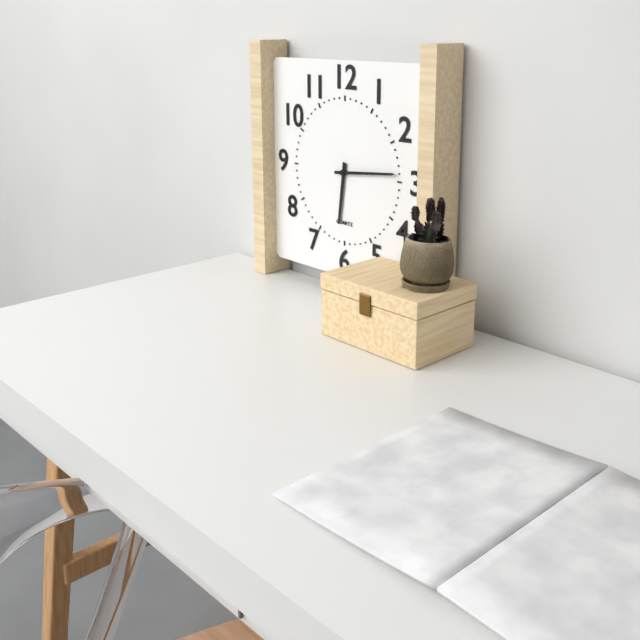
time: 6:14
